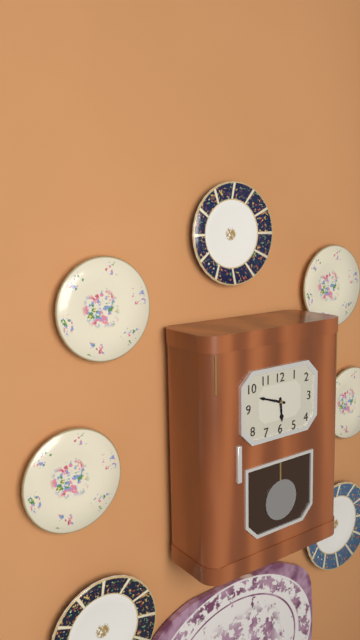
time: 5:48
